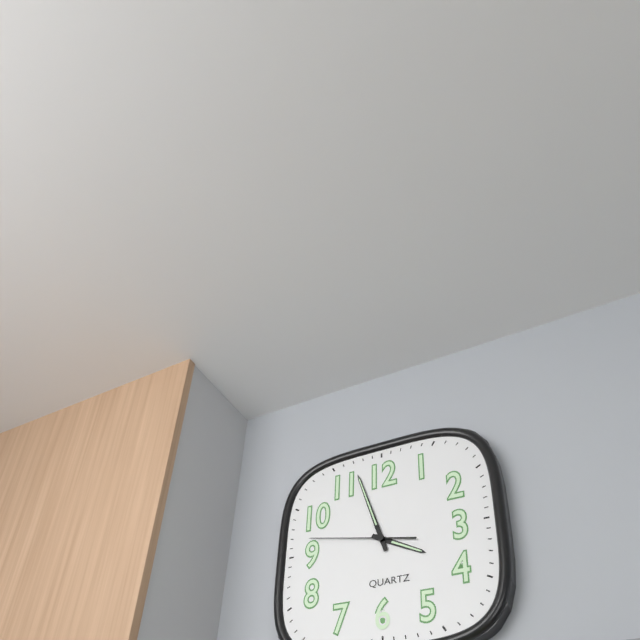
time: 3:57:47
